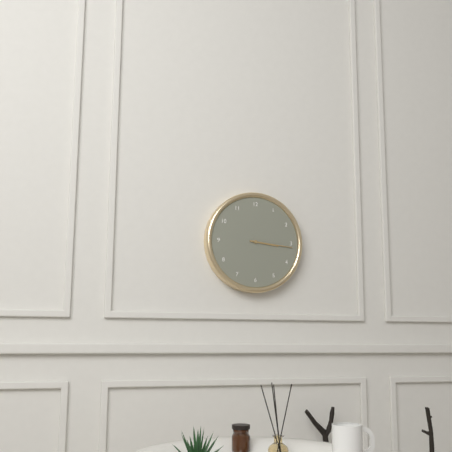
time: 3:16
